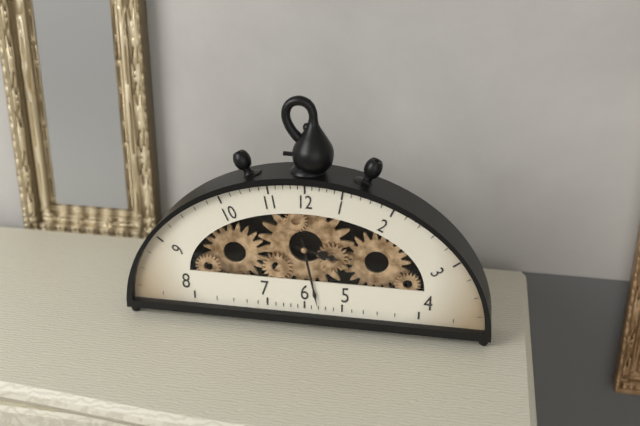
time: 3:28
